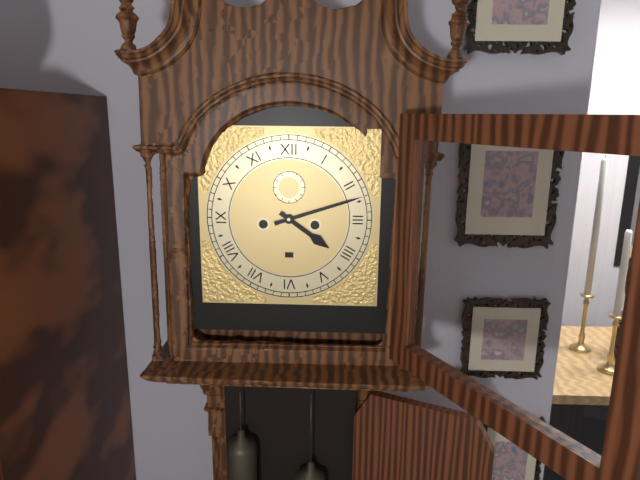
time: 4:12
